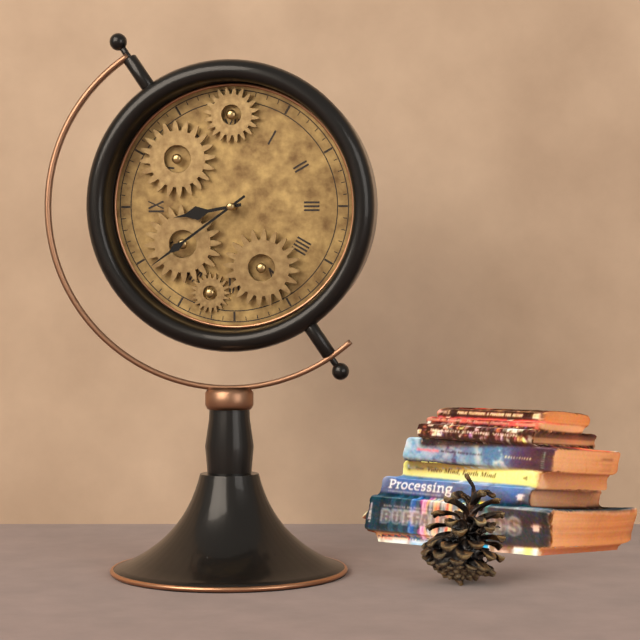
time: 8:39
